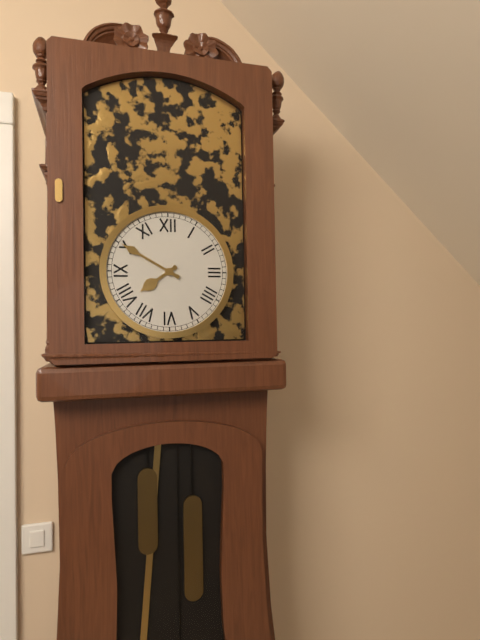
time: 7:50
